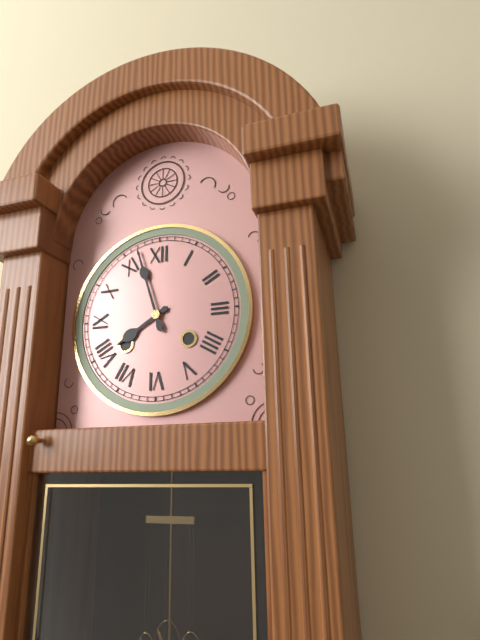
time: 7:57
